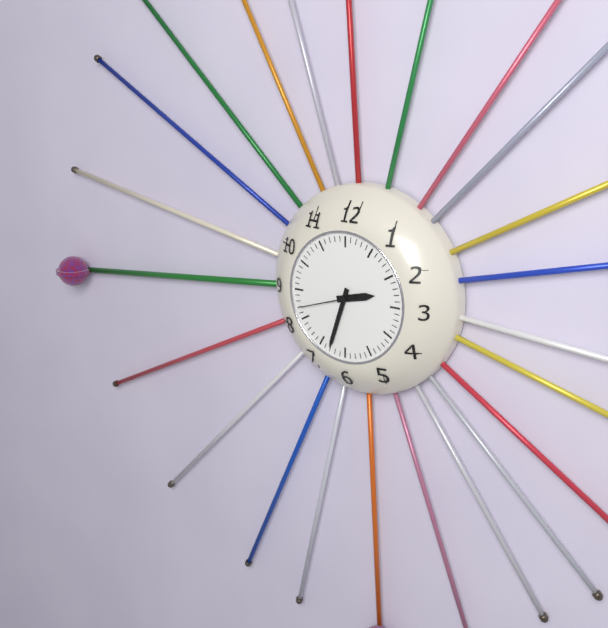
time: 2:33:42
